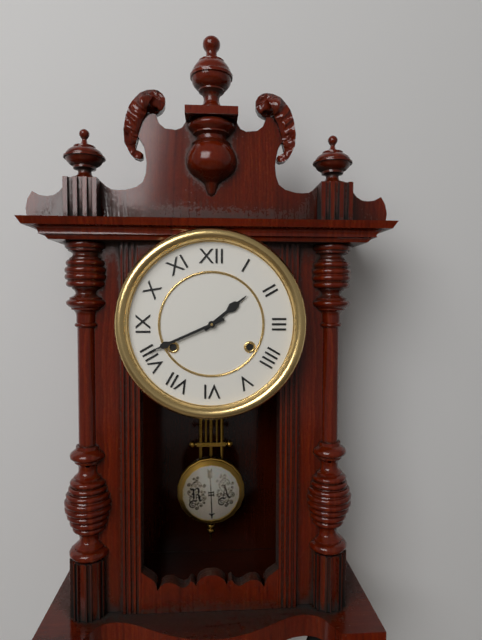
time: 1:41
